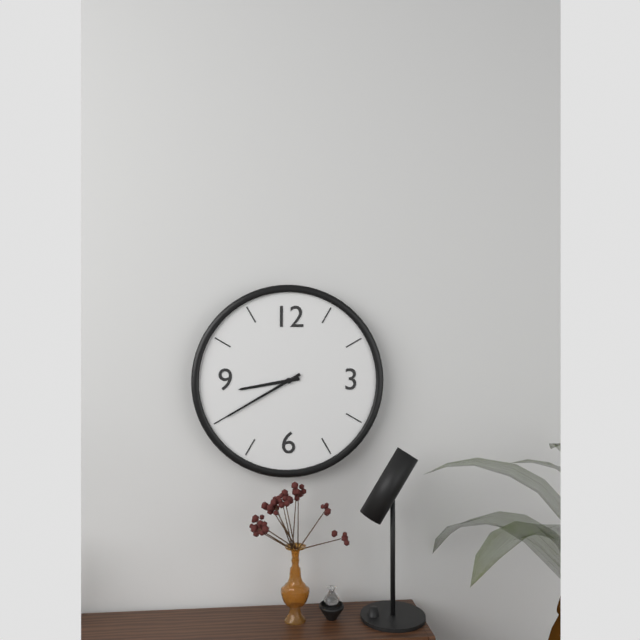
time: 8:40
